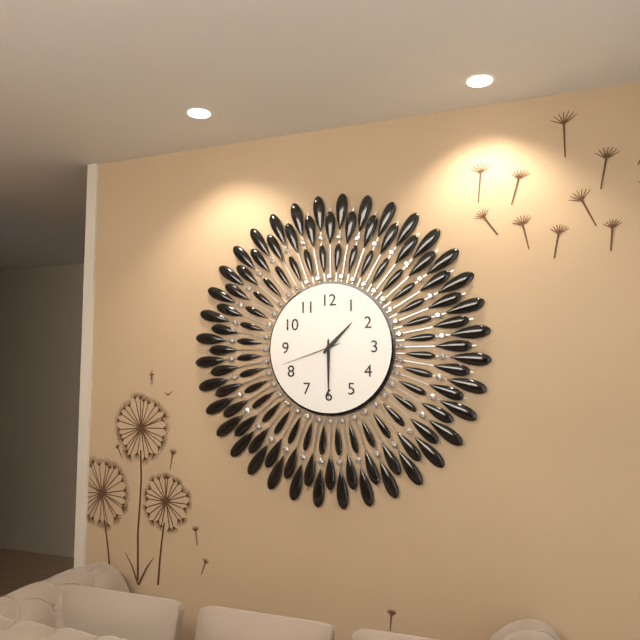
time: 1:30:42
